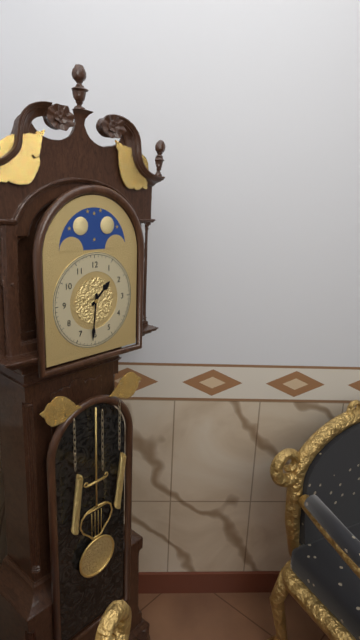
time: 1:31
